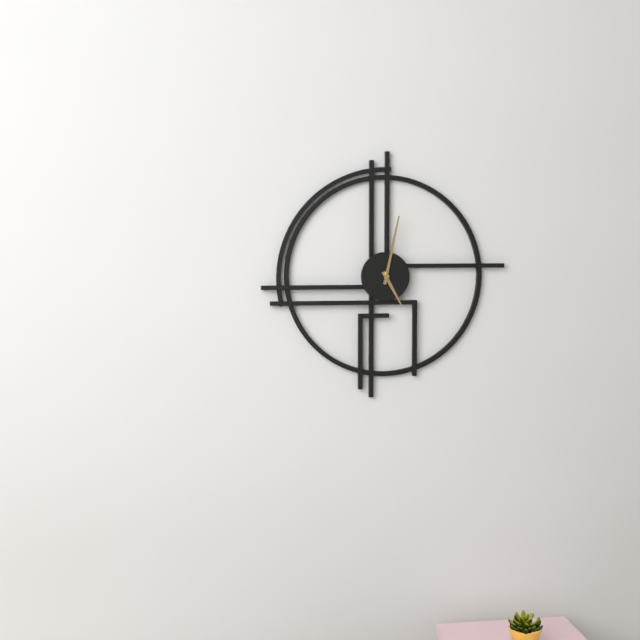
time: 5:02
